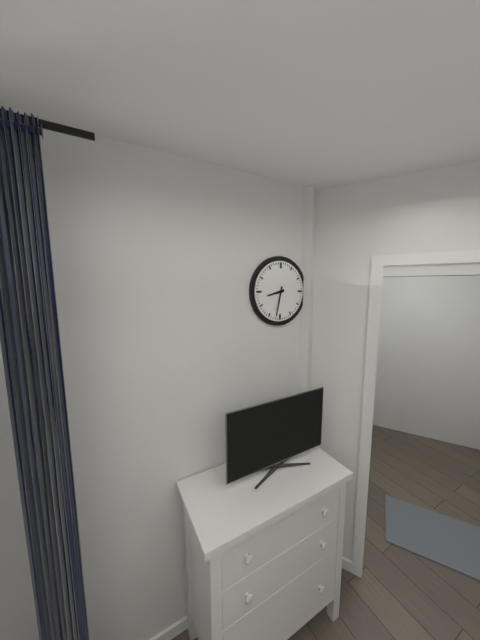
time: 8:32
